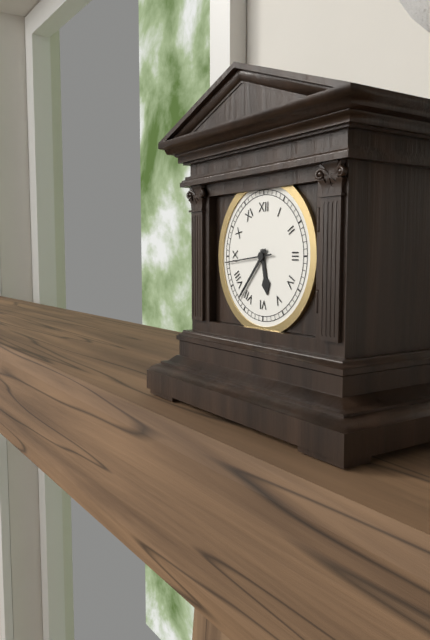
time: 5:37
